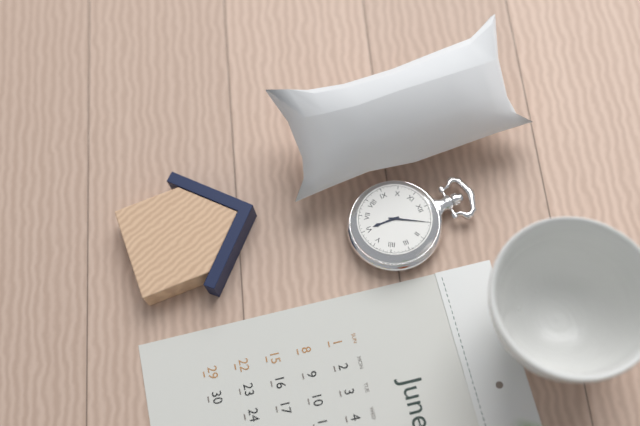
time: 6:05
